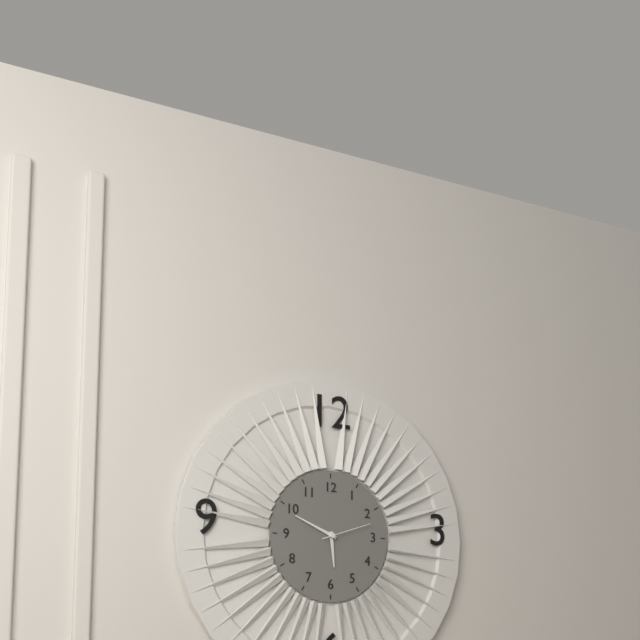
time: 5:49
